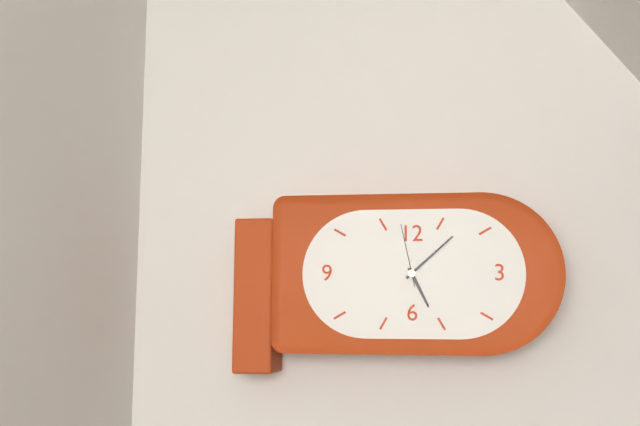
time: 5:08:58
